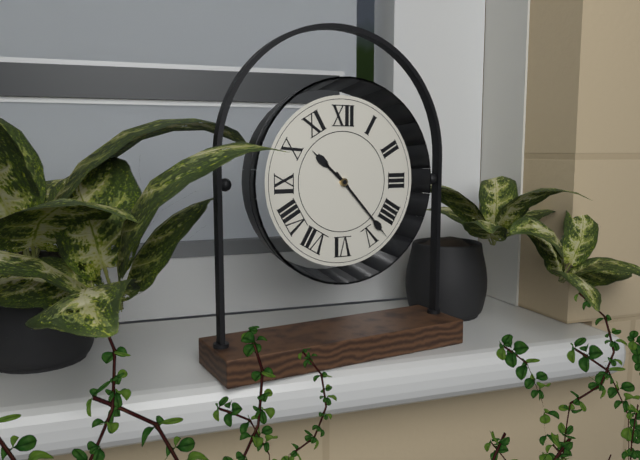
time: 10:23
